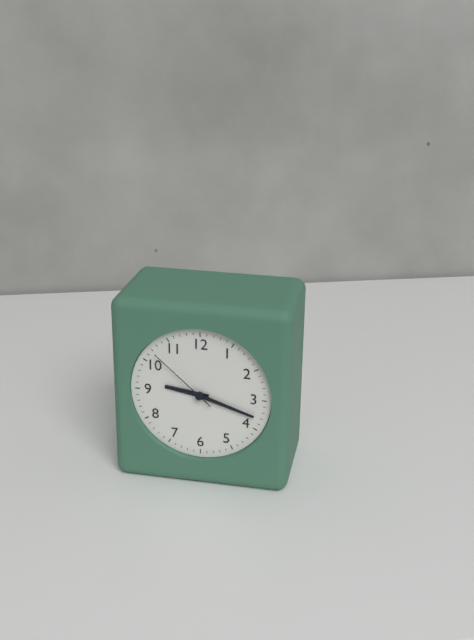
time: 9:18:52
